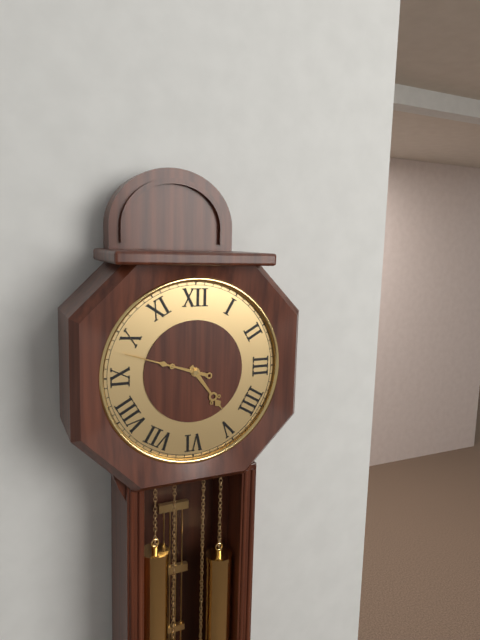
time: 4:48
